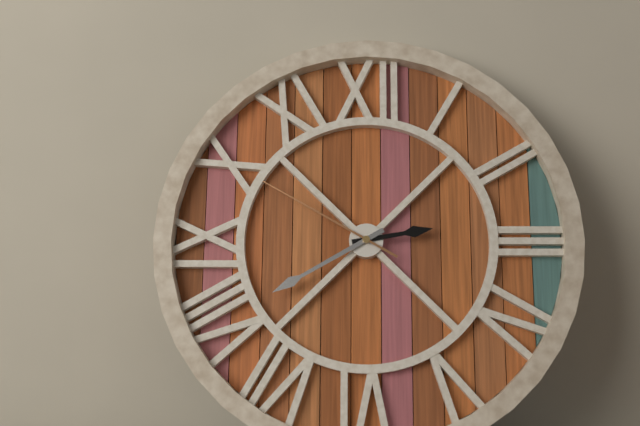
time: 2:40:50
